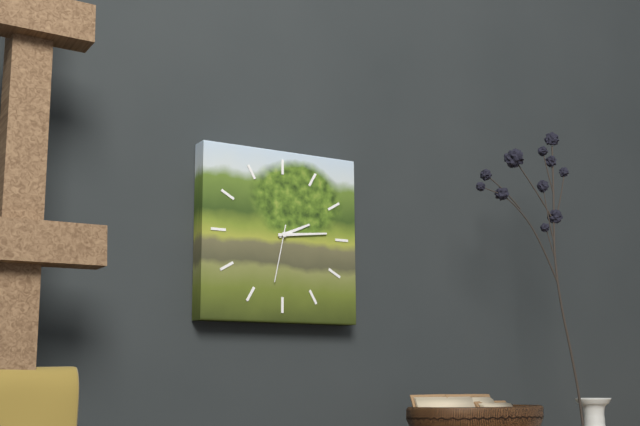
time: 2:14:32
